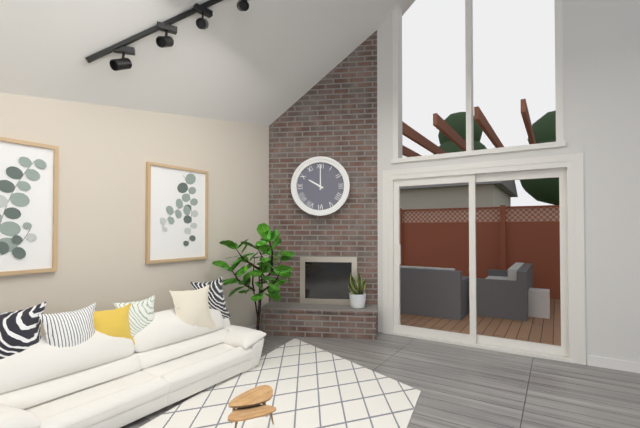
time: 10:00
